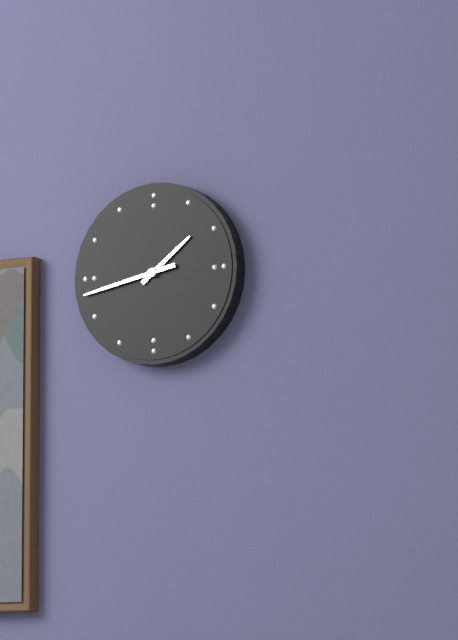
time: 1:43
